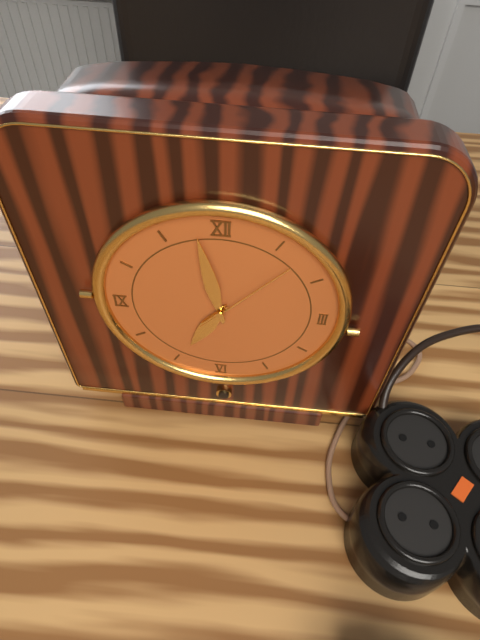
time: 6:58:07
